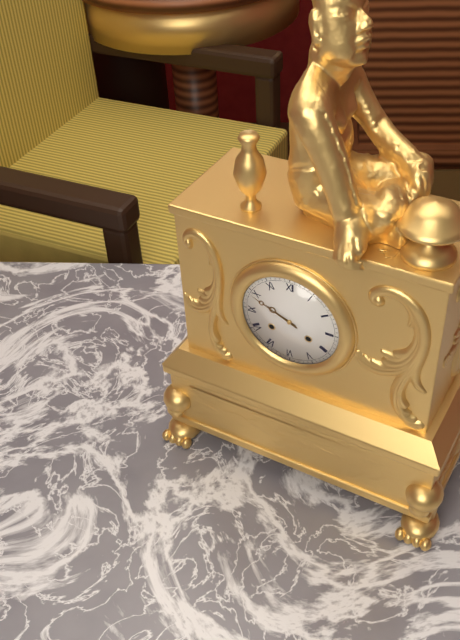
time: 9:49
